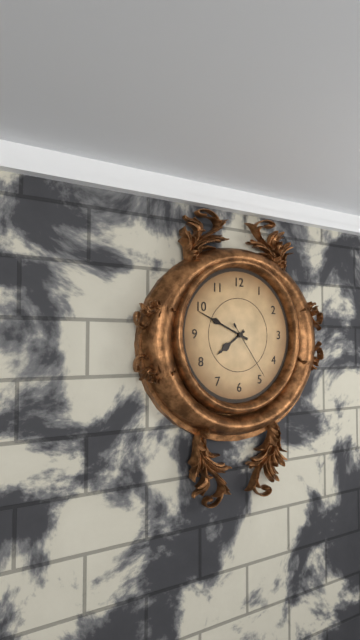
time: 7:49:24
